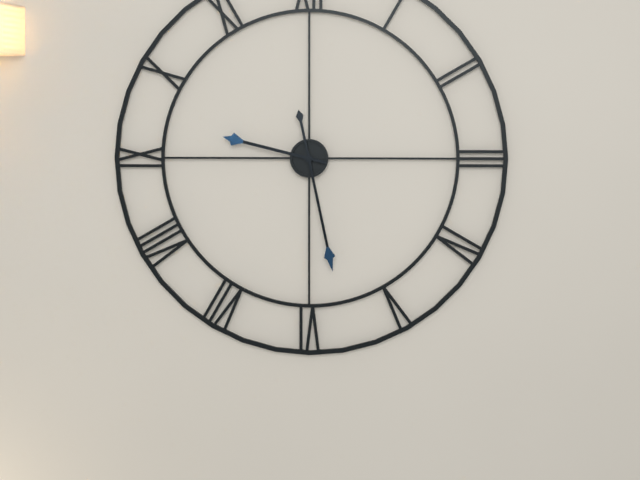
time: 9:28
